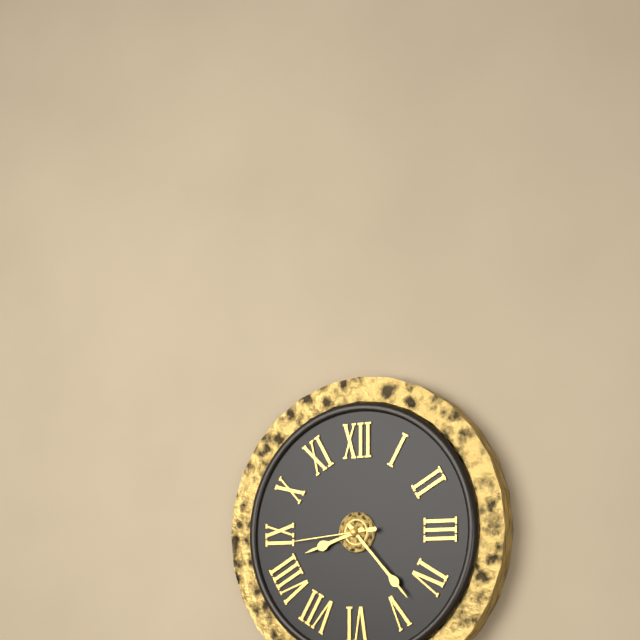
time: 8:23:44
